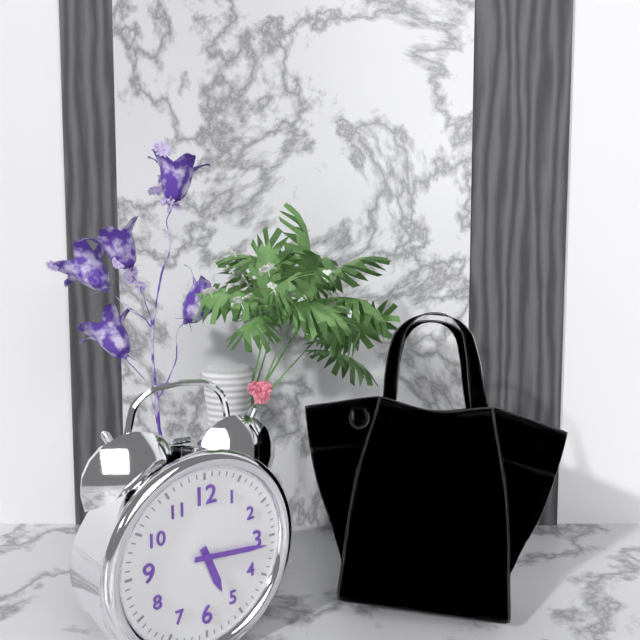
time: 5:16
